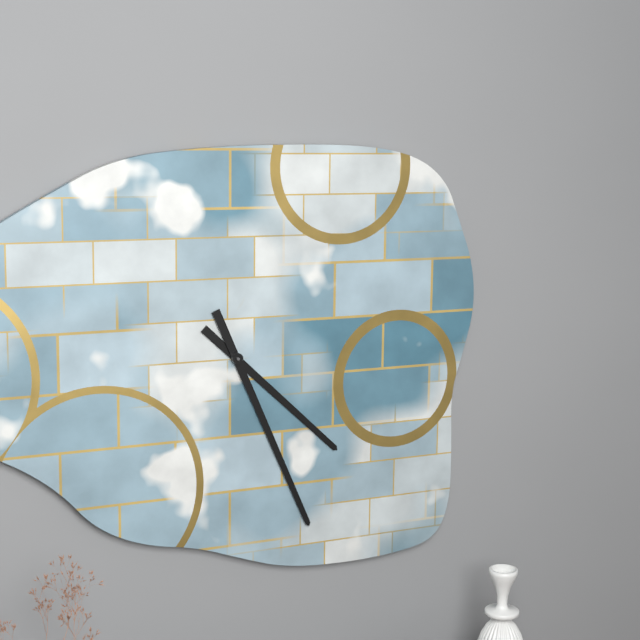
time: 4:26
